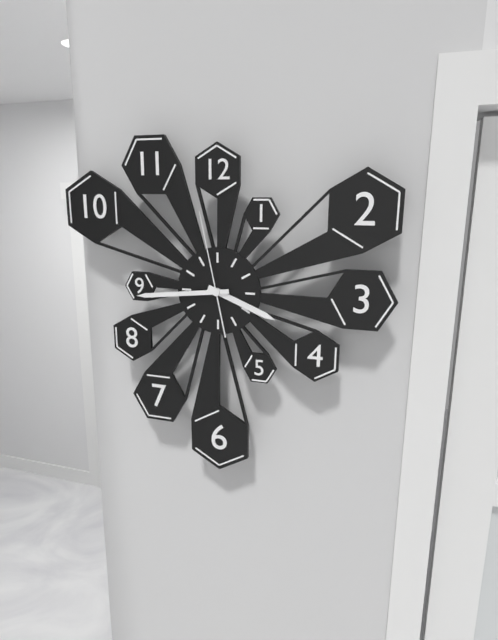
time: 3:44:58
